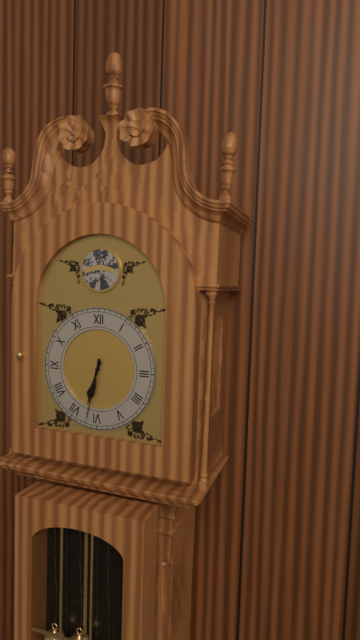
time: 6:32
